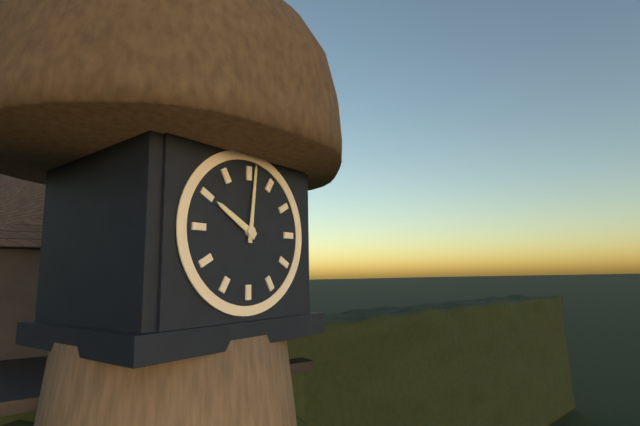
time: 10:01
